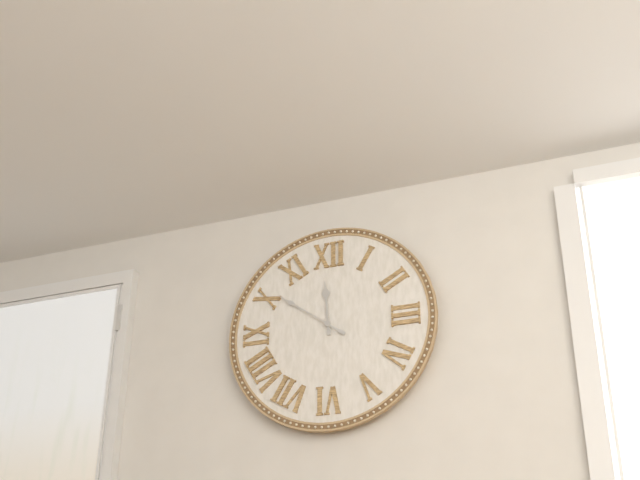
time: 11:51
